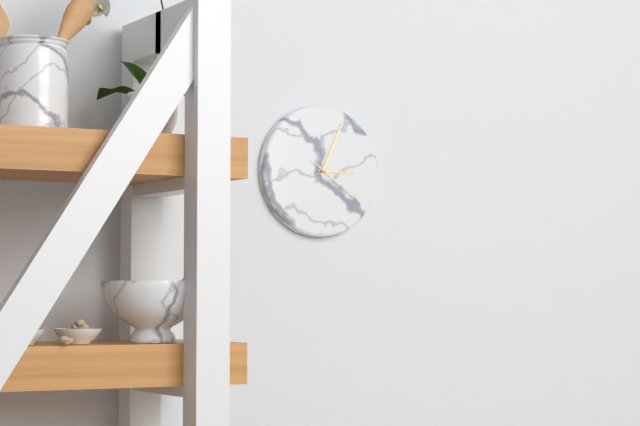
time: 3:04:21
